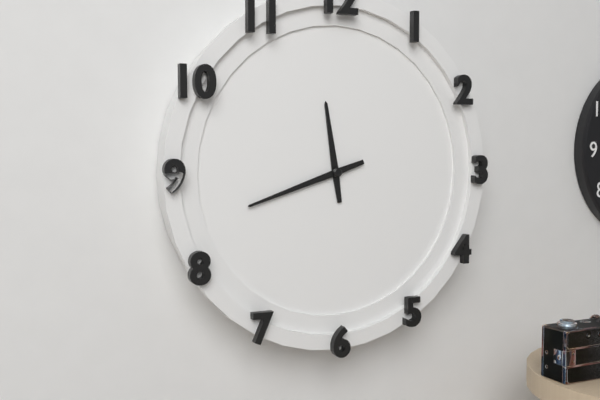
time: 11:42
